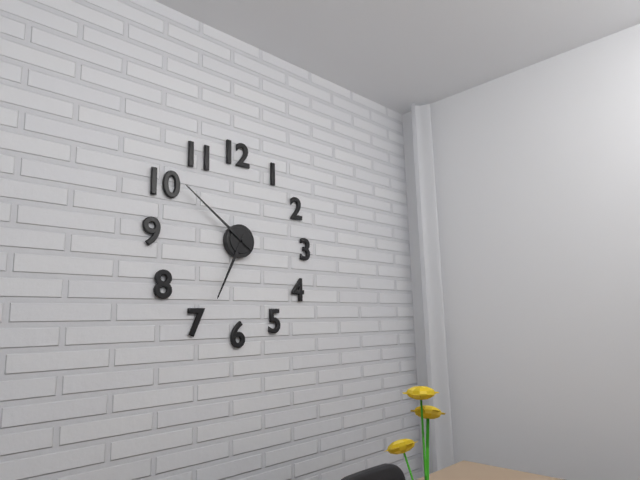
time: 6:51
